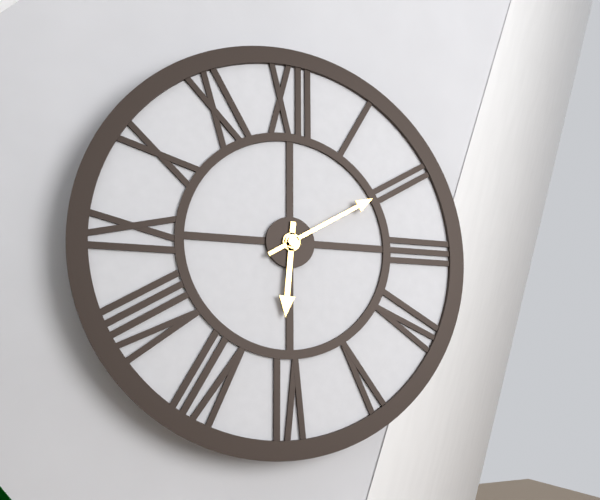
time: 6:10
